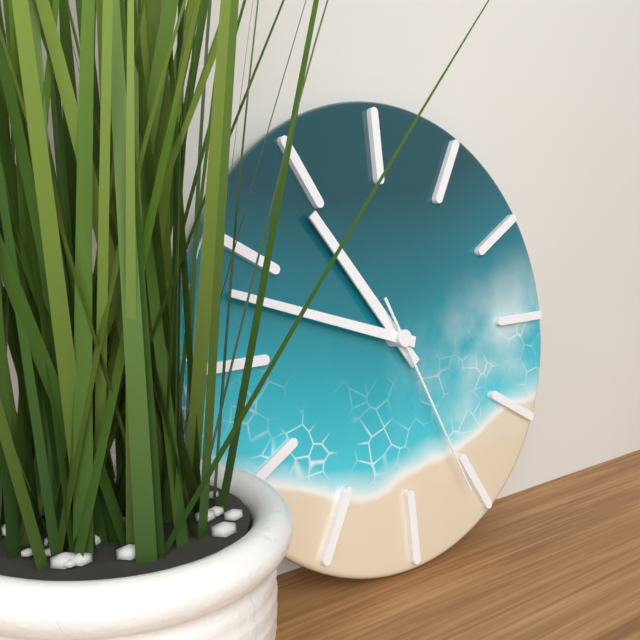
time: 10:48:26
